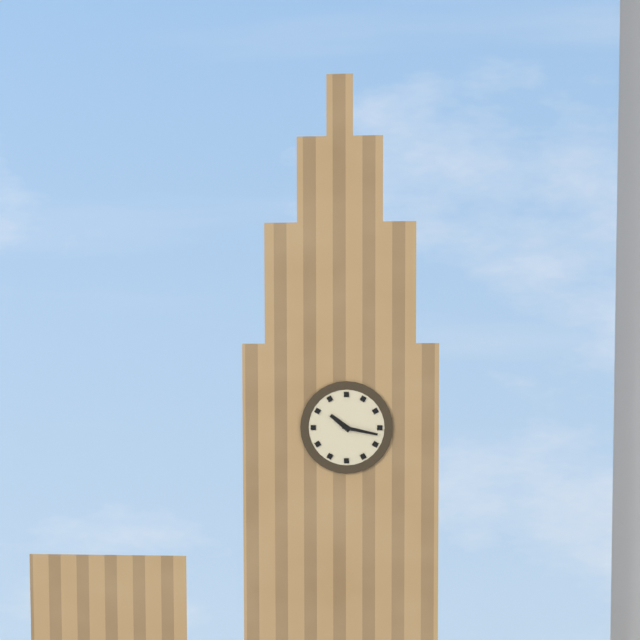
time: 10:17
